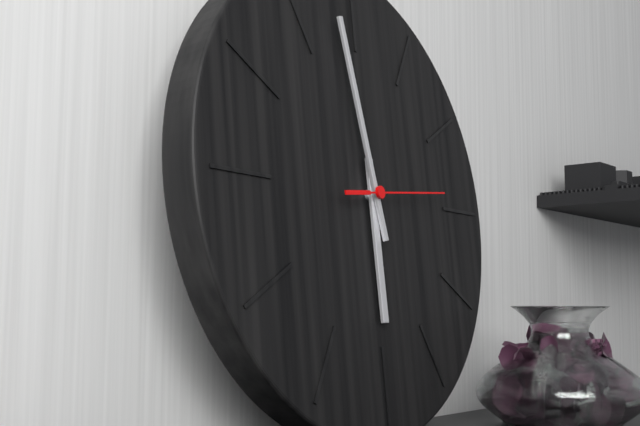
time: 5:58:14
